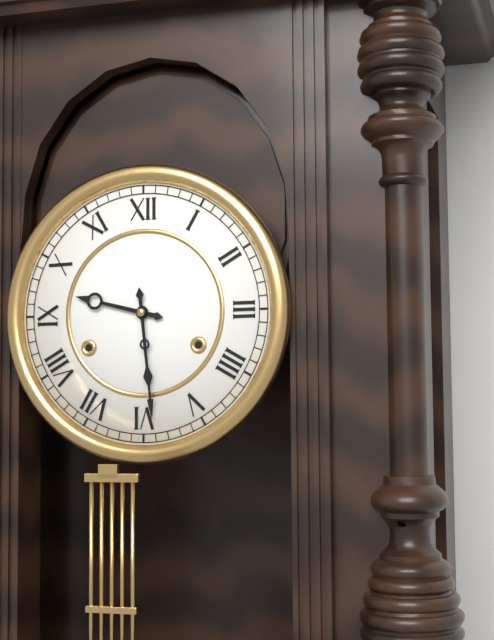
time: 9:29
